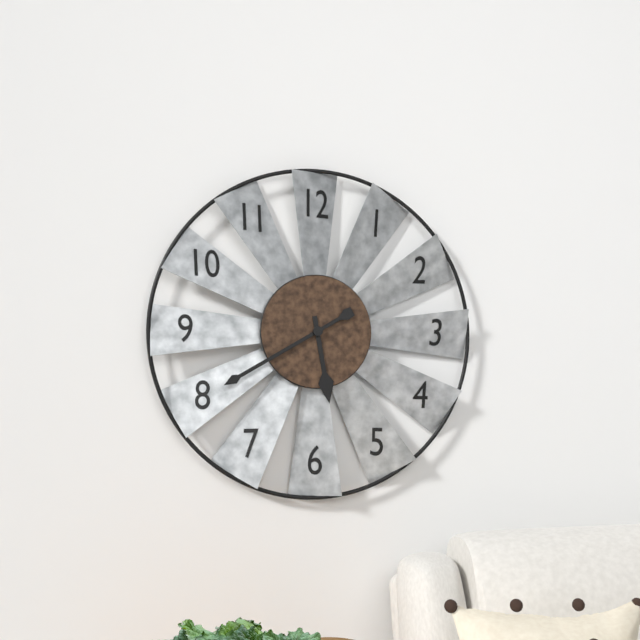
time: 5:40
